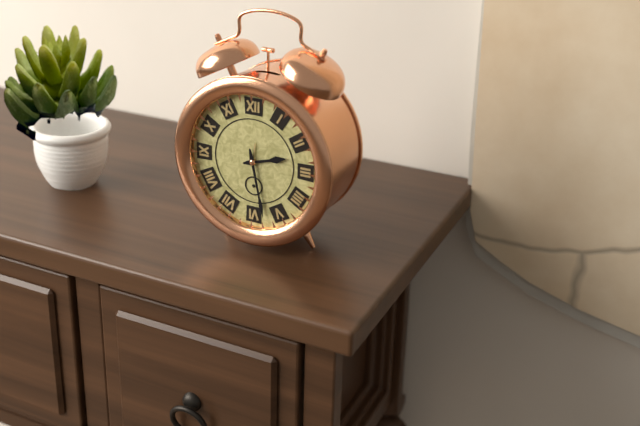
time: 2:28
